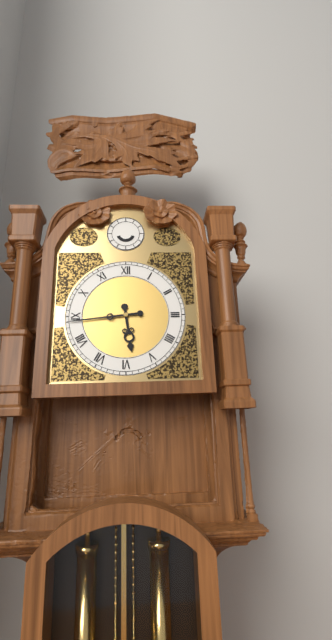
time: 5:44
